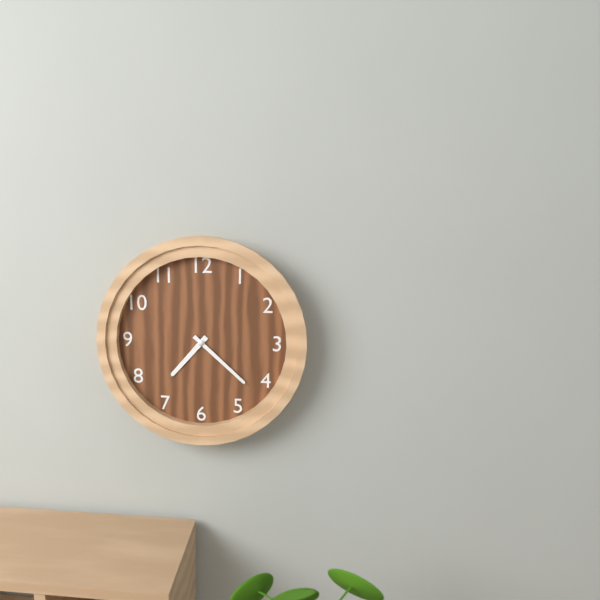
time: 7:22
